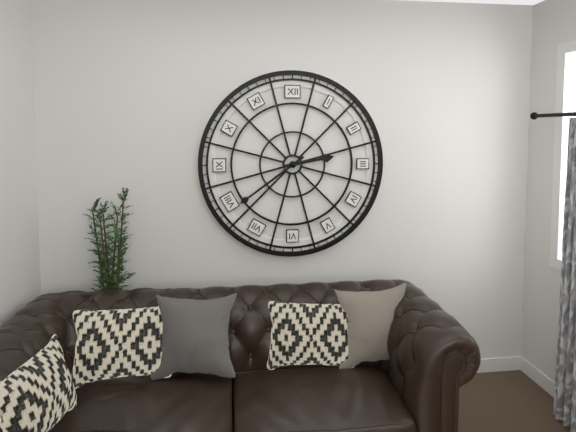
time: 2:39
